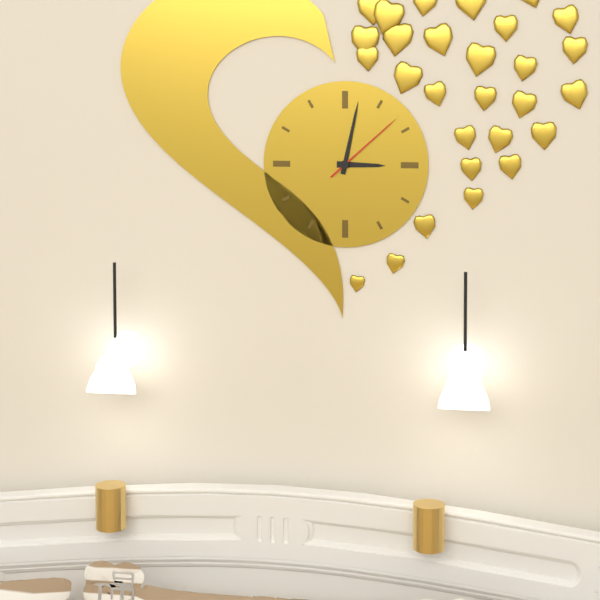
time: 3:02:08
